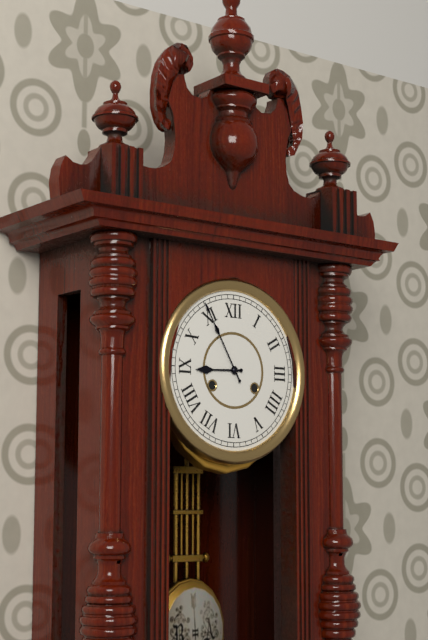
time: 8:55
